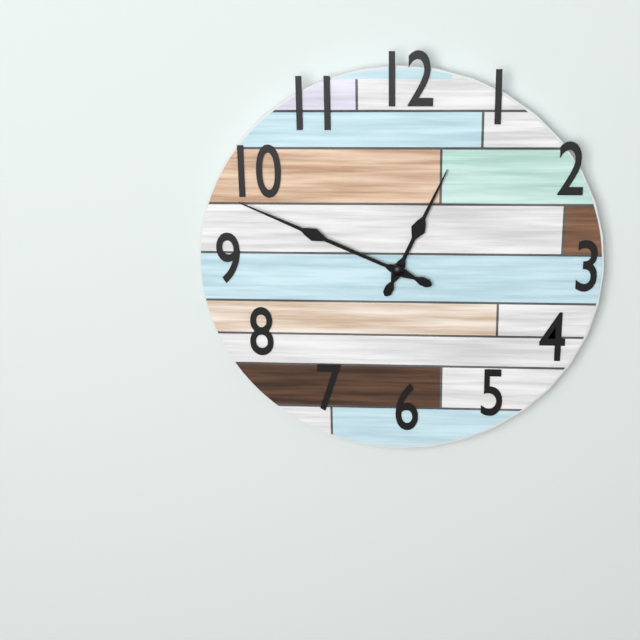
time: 12:49
